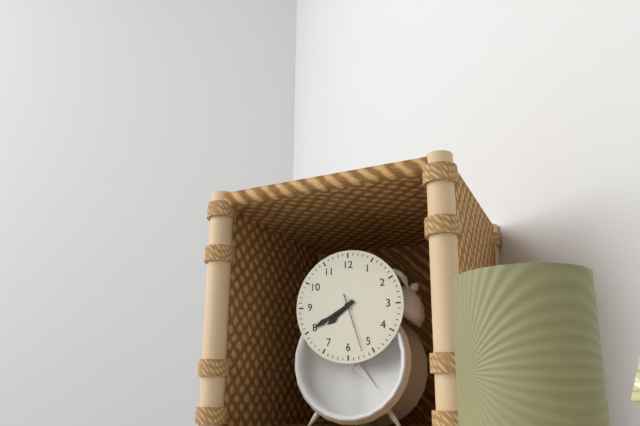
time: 7:40:27
